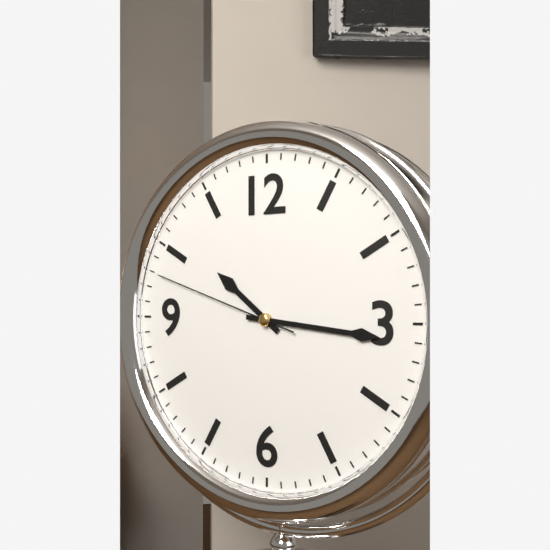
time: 10:16:48
